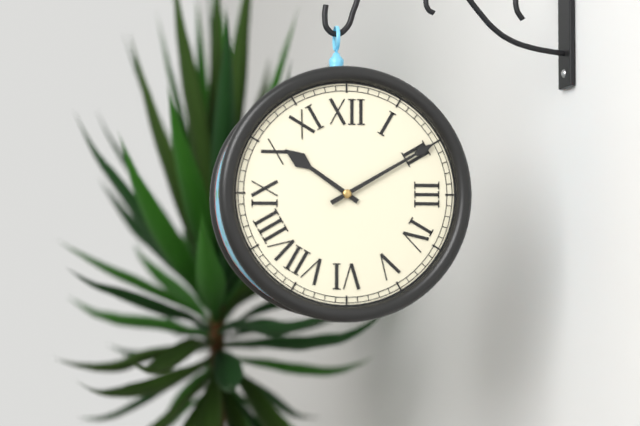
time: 10:10
